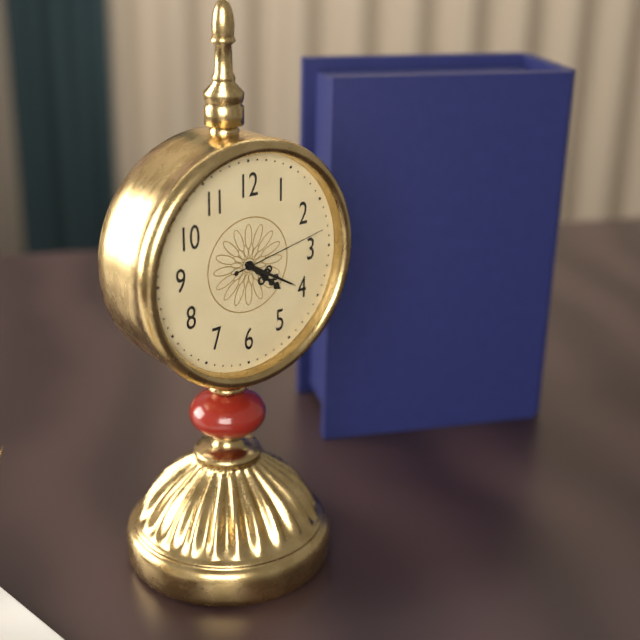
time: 4:20:13
